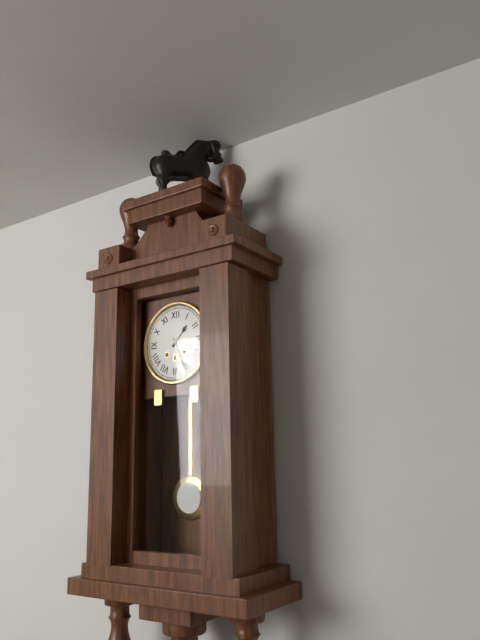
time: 1:26
